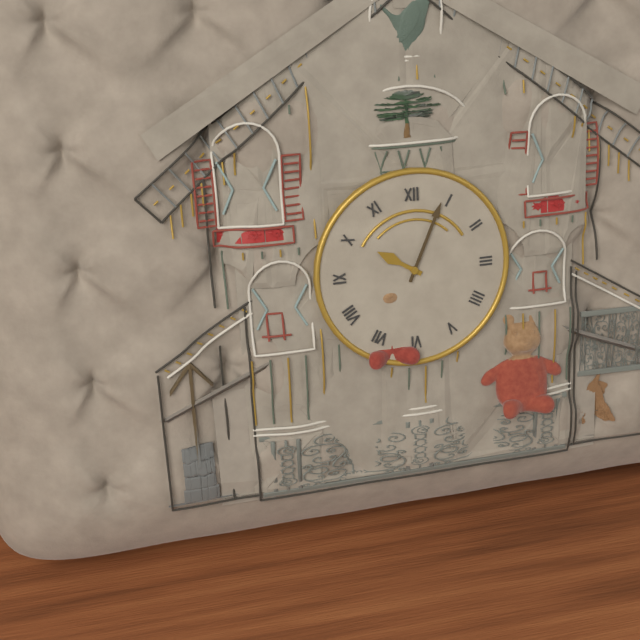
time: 10:04
